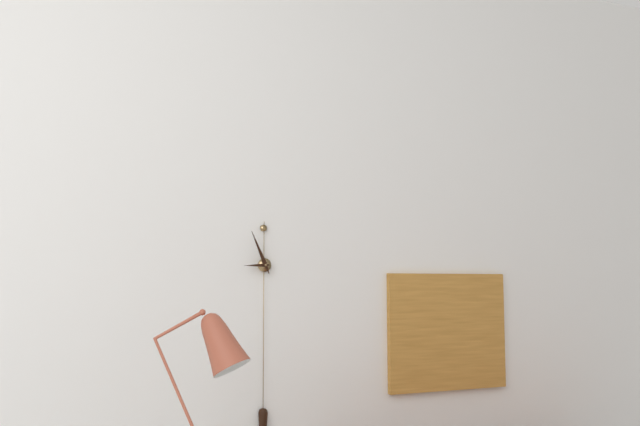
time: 8:56
